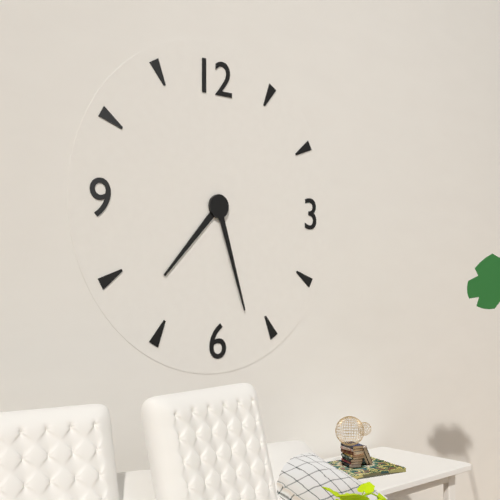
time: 7:27
